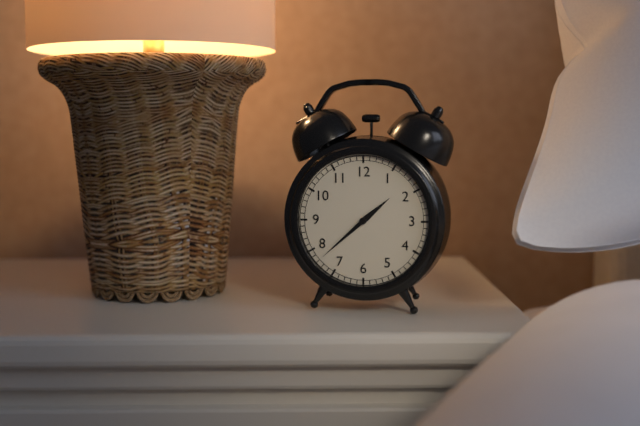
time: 1:38
